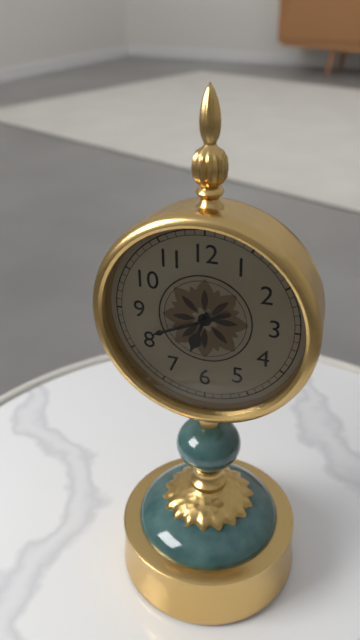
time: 6:41
